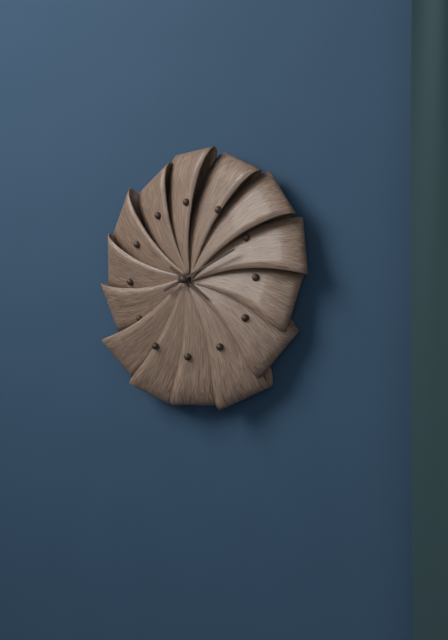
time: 4:11
